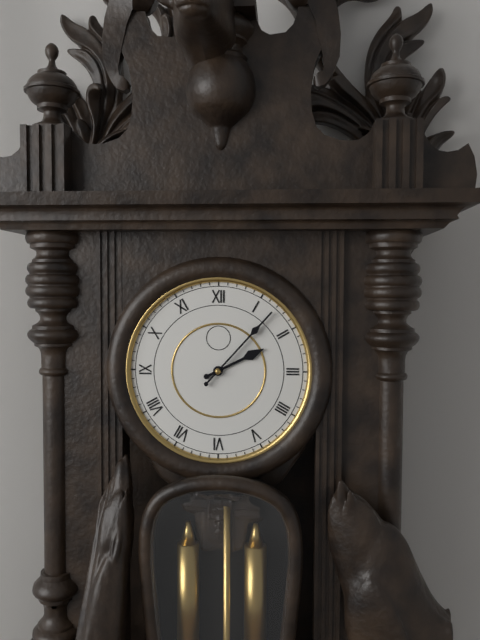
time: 2:07
